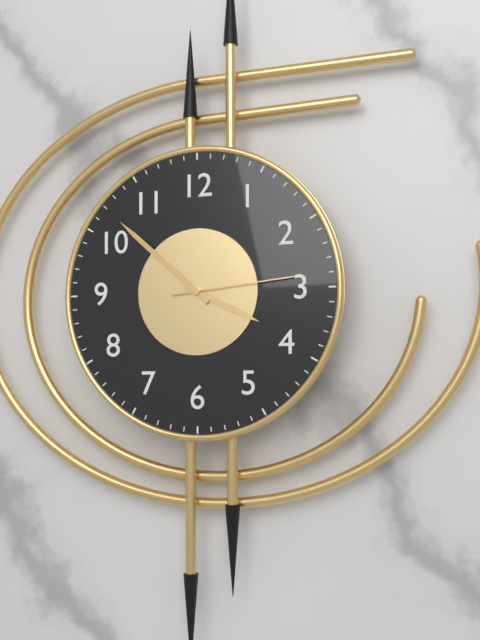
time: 3:52:14
